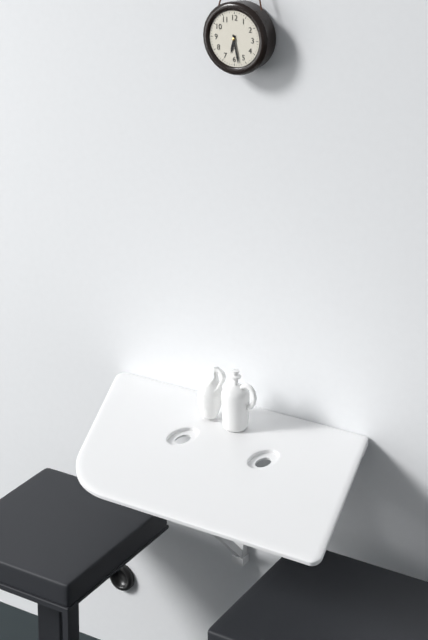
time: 6:28
